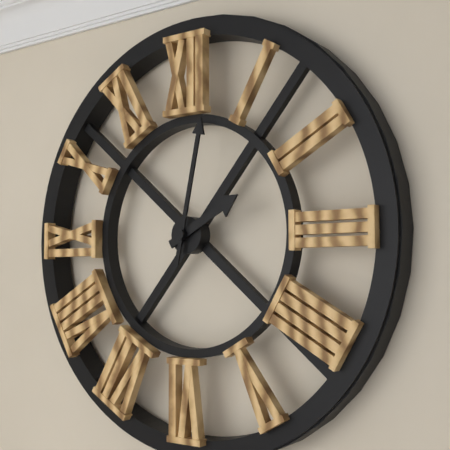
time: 2:02
